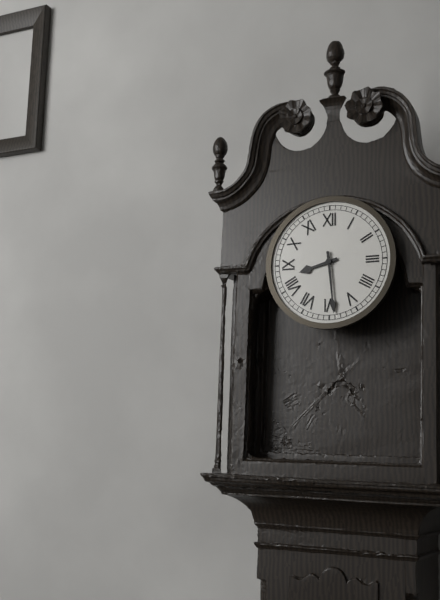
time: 8:29
